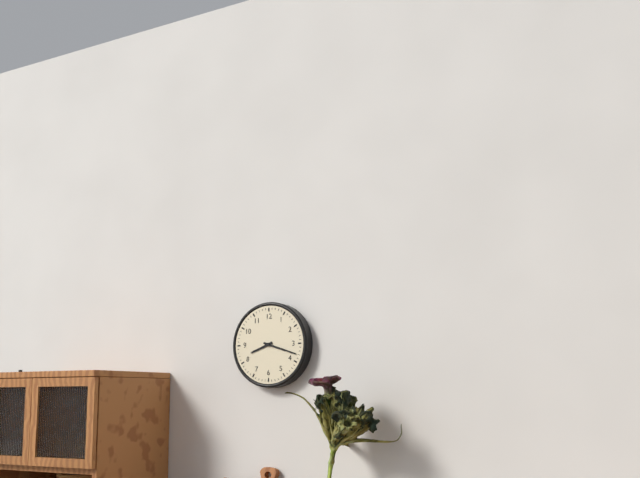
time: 8:18
